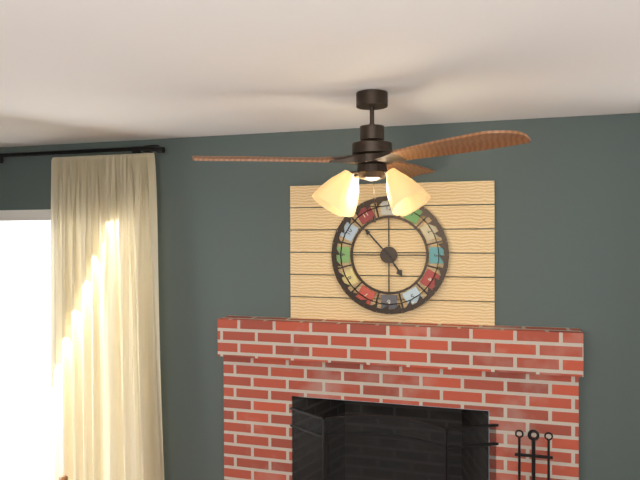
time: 4:53
